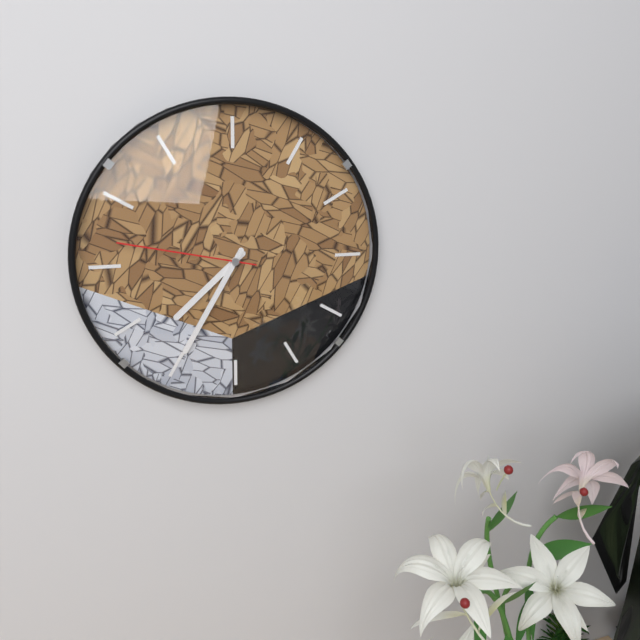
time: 7:35:47
